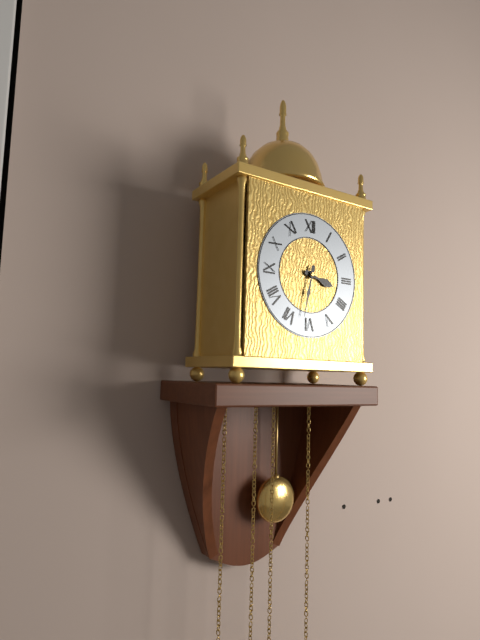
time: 3:32
